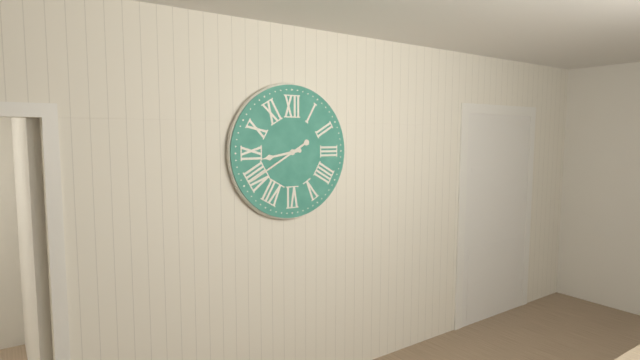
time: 8:40
